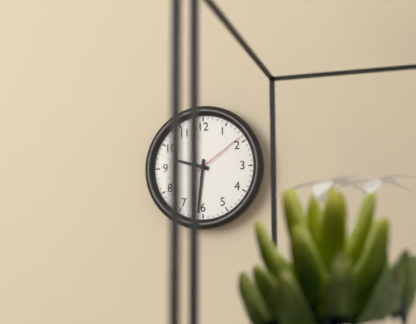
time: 9:31:09
